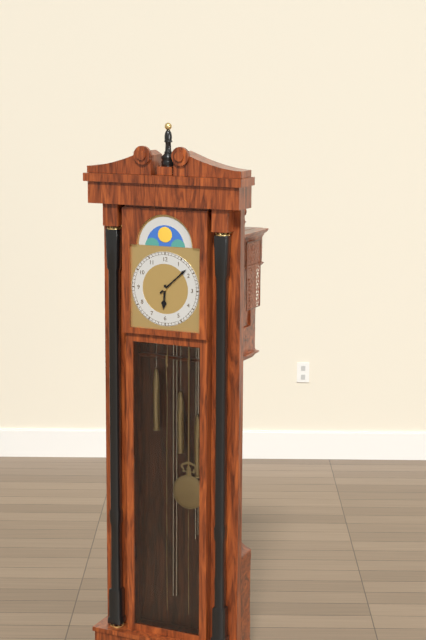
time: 6:08
